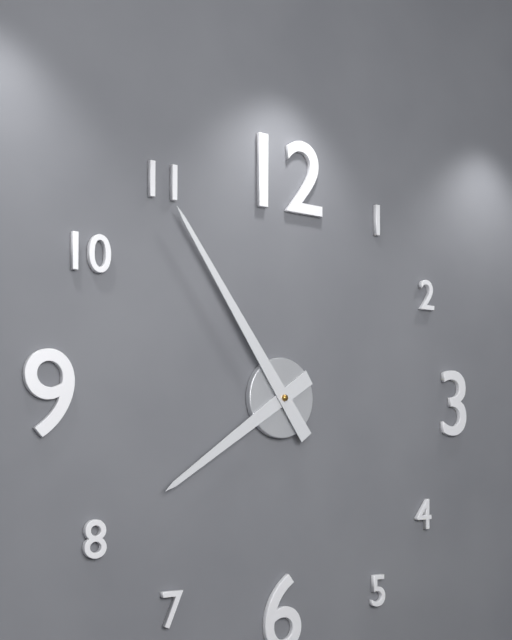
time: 7:54
